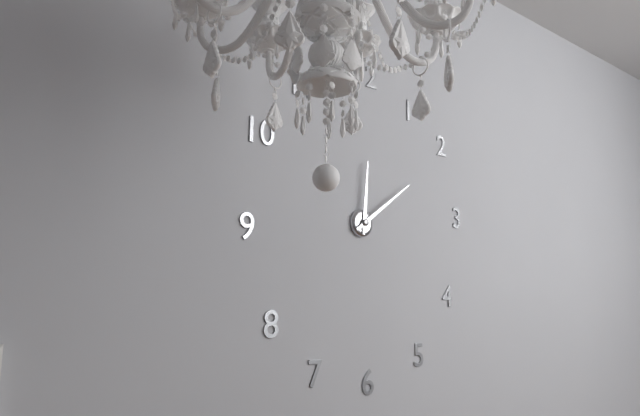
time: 12:09
